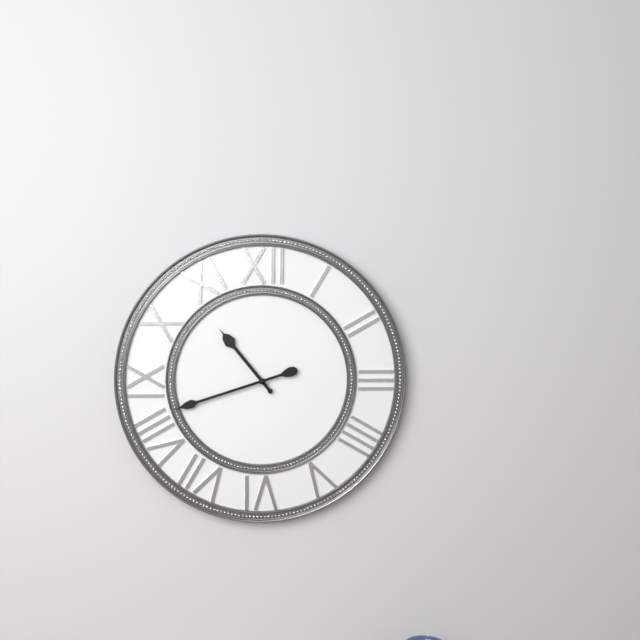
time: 10:42
